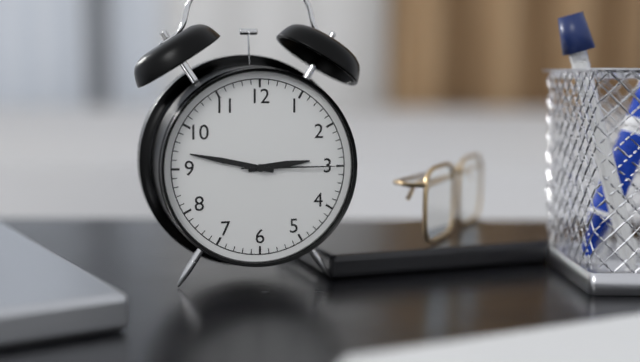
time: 2:47:15
